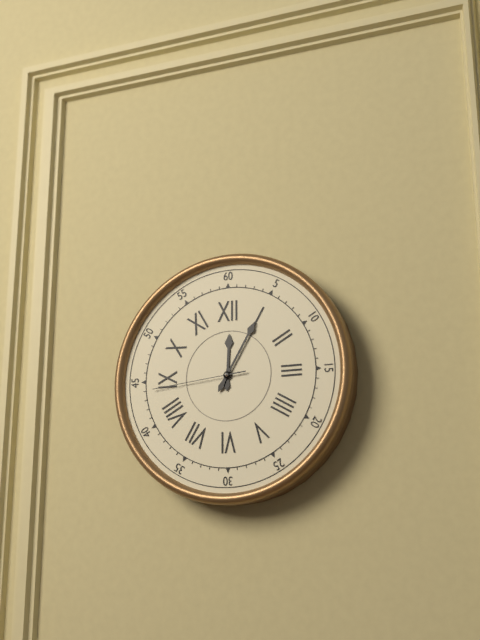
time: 12:05:44
